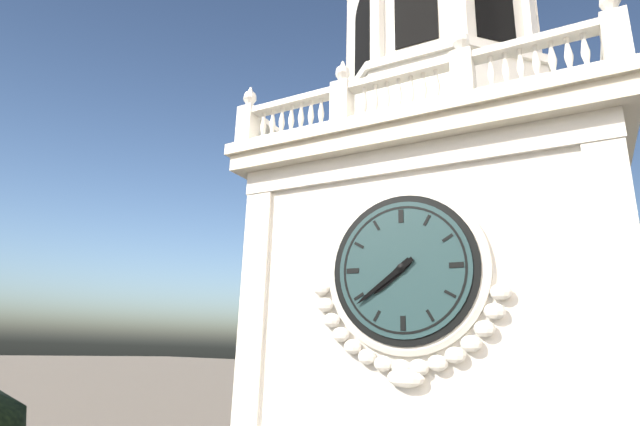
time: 7:39
